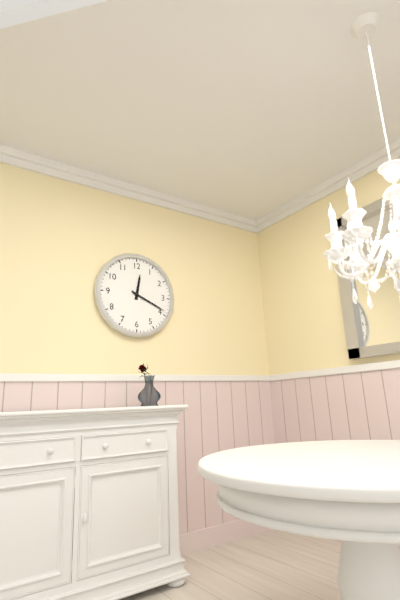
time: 12:19
